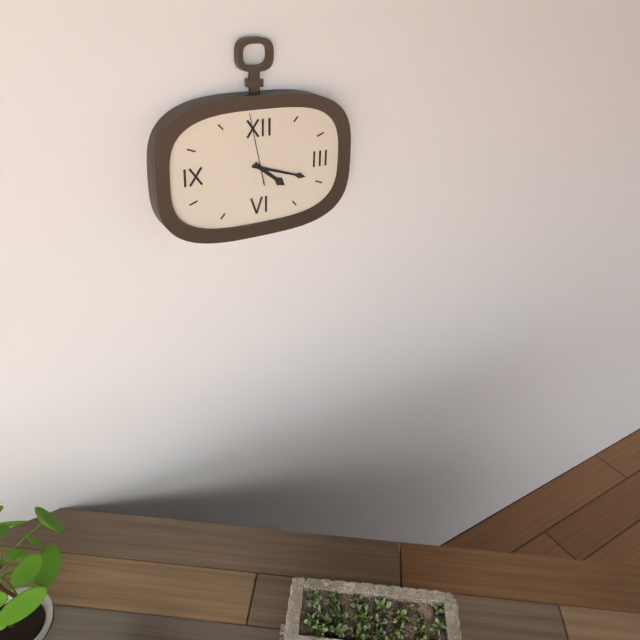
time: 4:18:58
